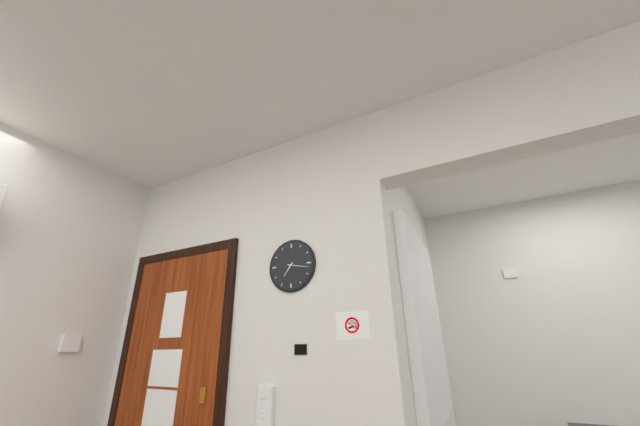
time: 7:17
